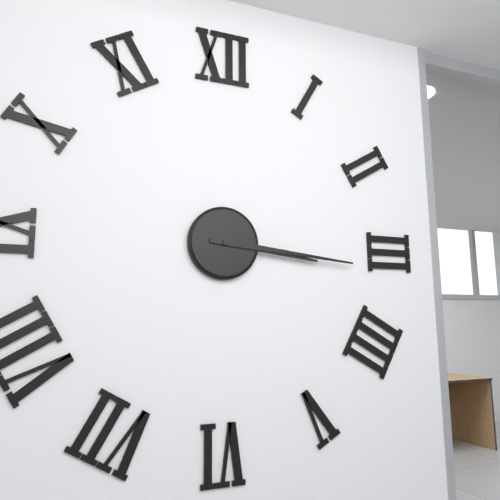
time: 3:16
